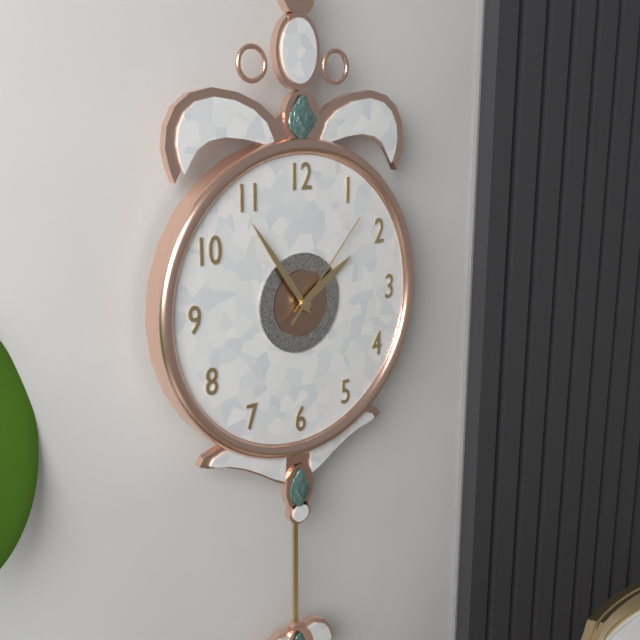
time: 1:54:07
